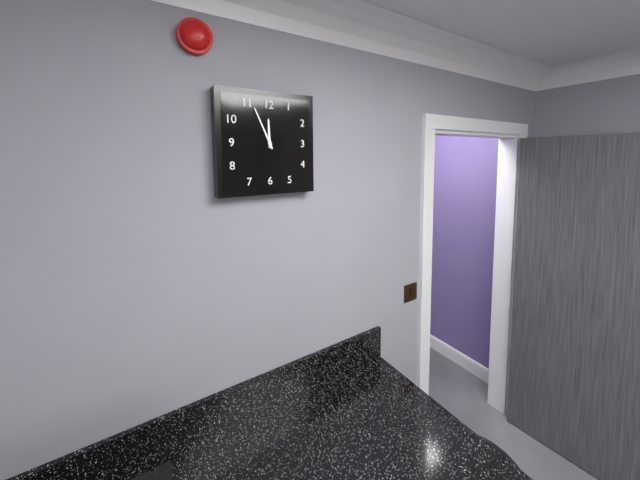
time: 11:56
